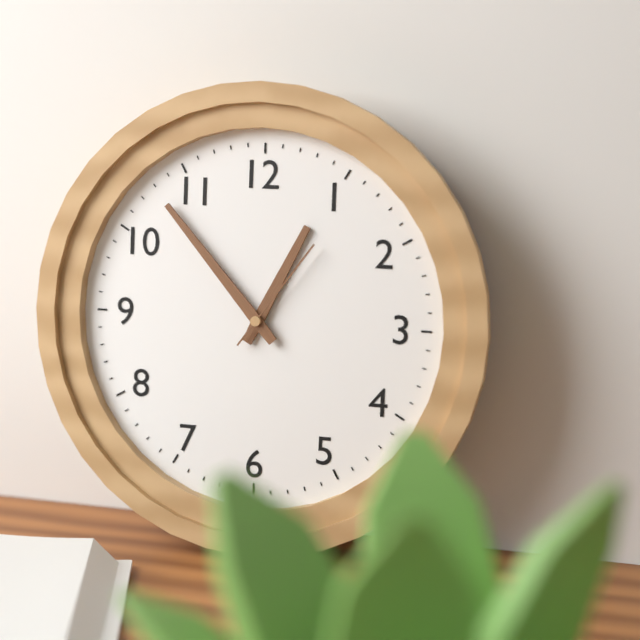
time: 12:53:06
